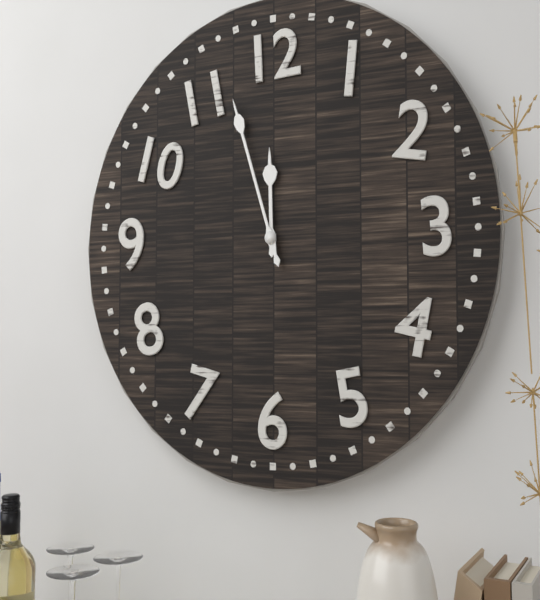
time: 11:57
